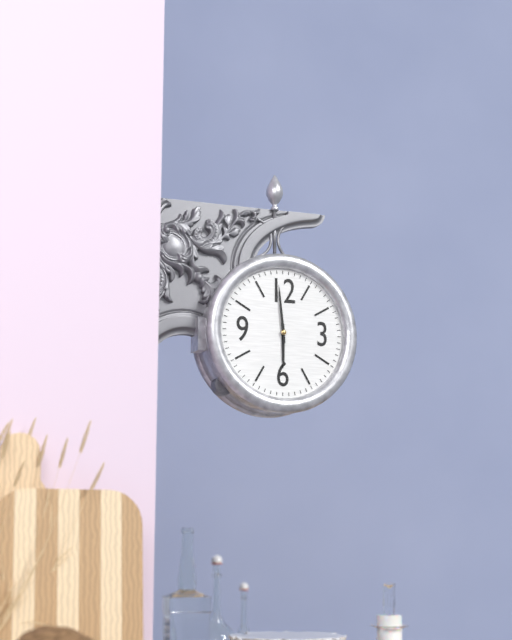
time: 5:59
